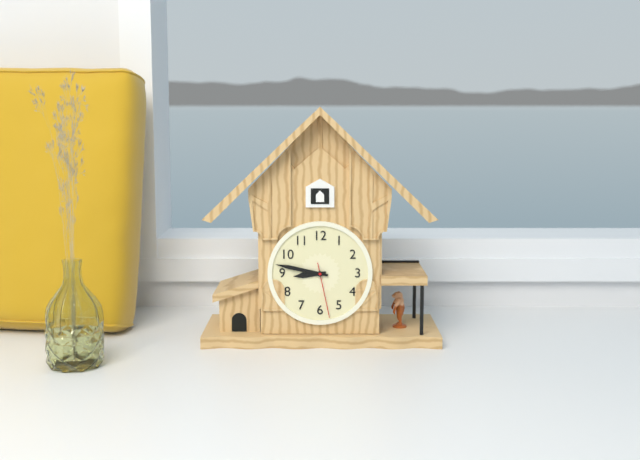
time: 8:47:28
